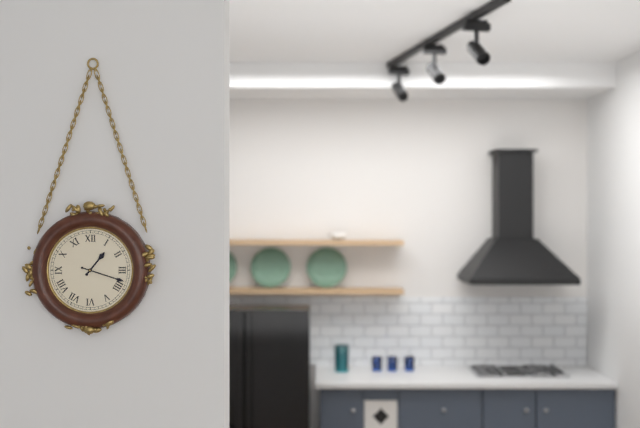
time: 1:18
